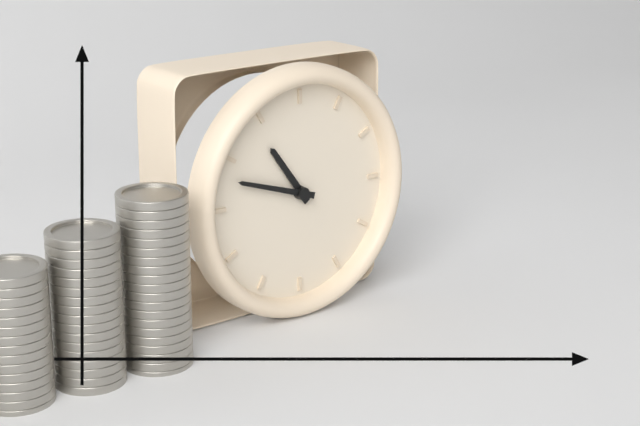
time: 10:48
